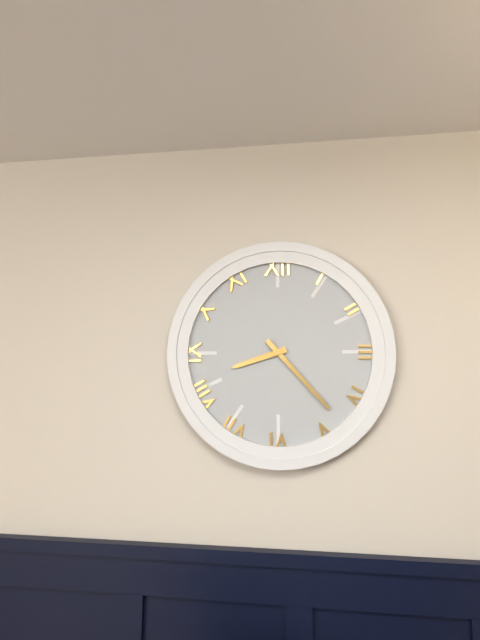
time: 8:23
